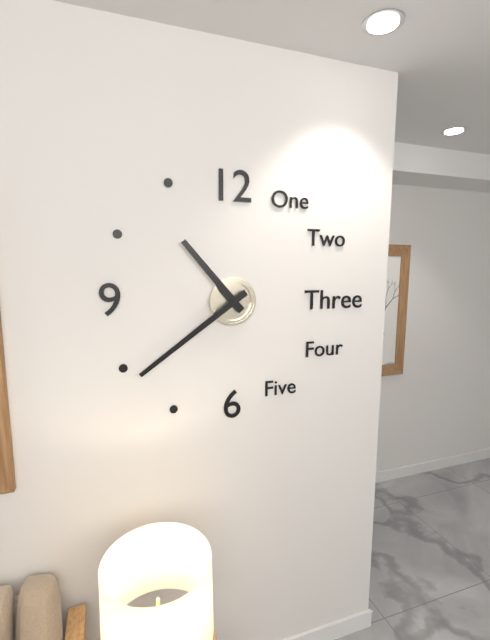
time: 10:39
